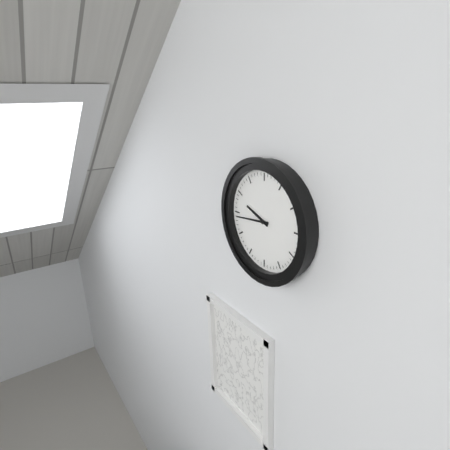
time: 9:44
